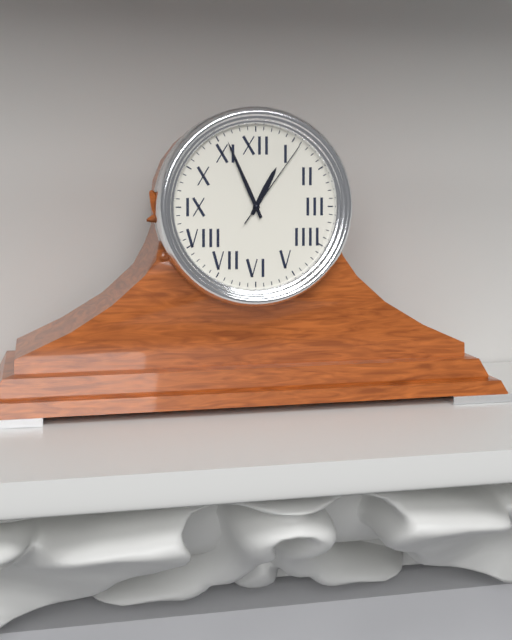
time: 12:56:06
